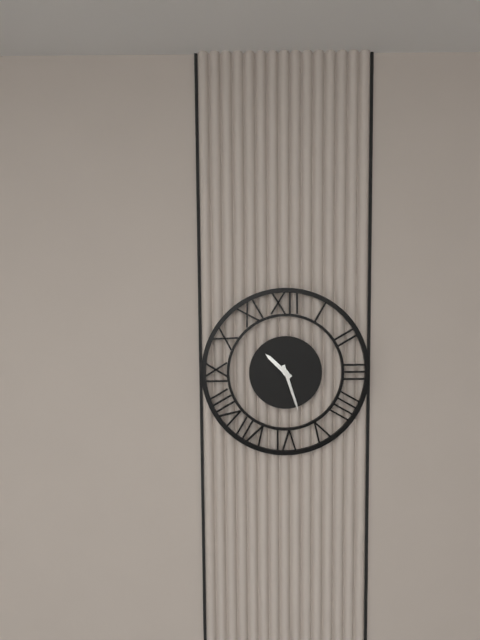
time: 10:27
